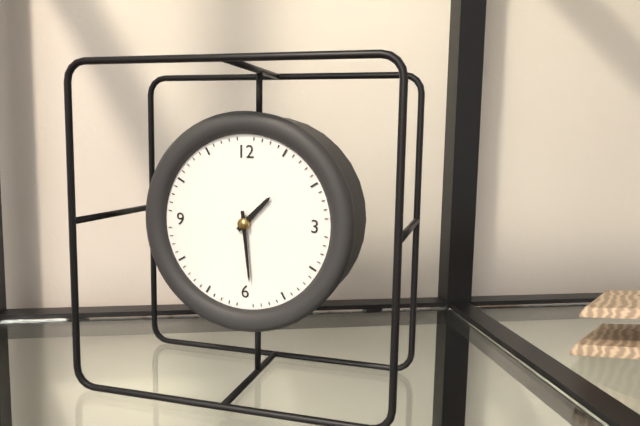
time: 1:29
